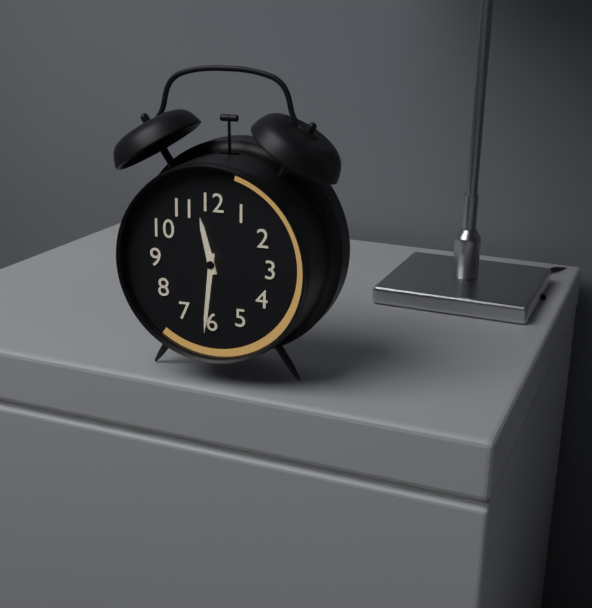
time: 11:31
